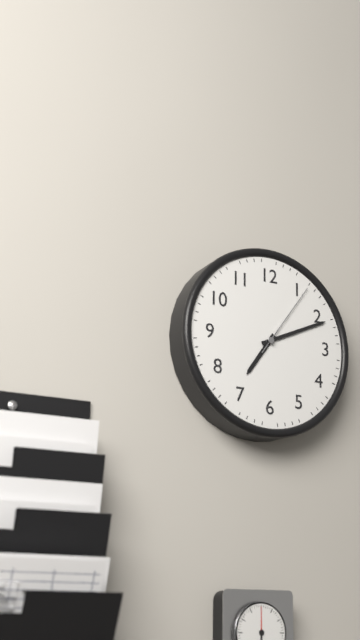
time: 7:11:06
